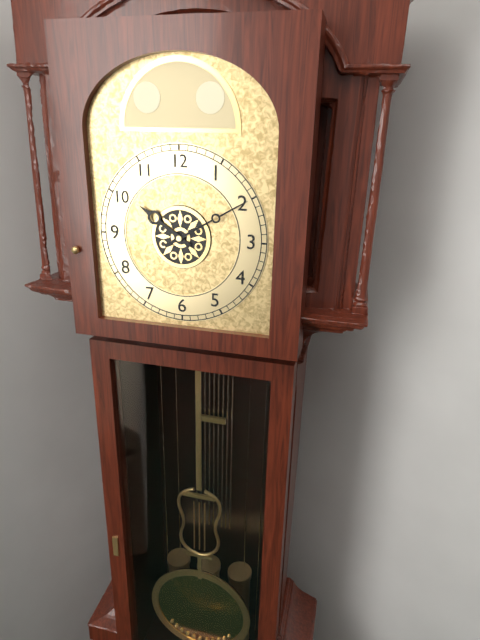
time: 10:10
